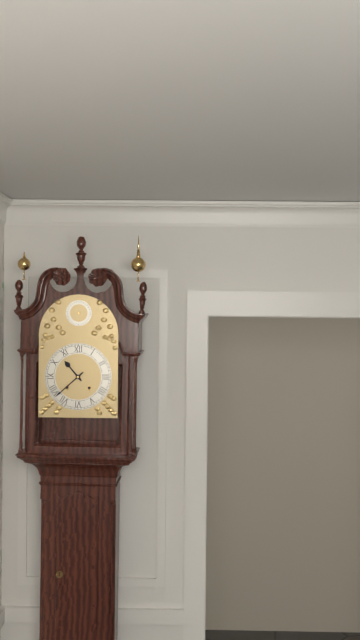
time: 10:38
